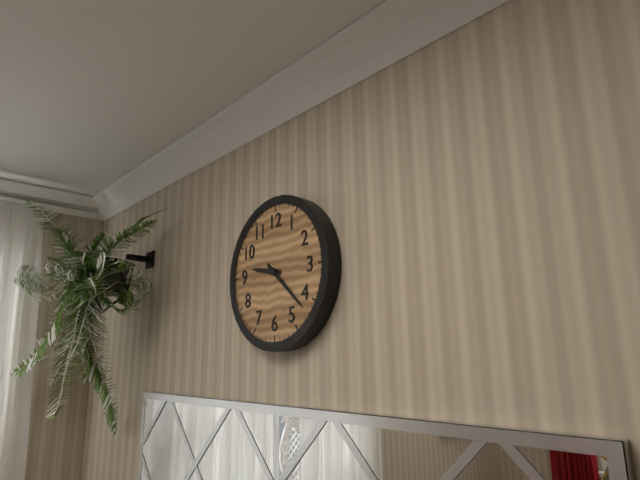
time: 9:22
